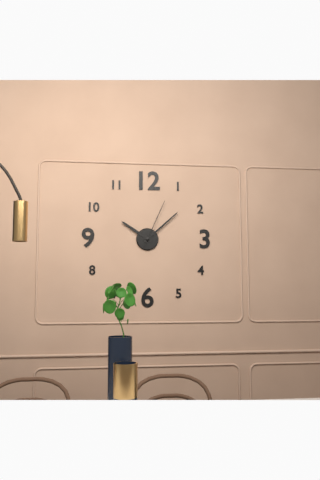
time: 10:08:04
